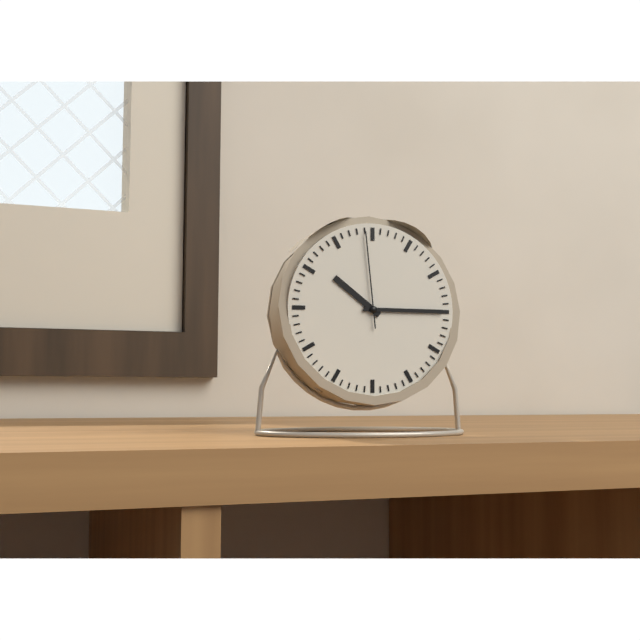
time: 10:15:59
